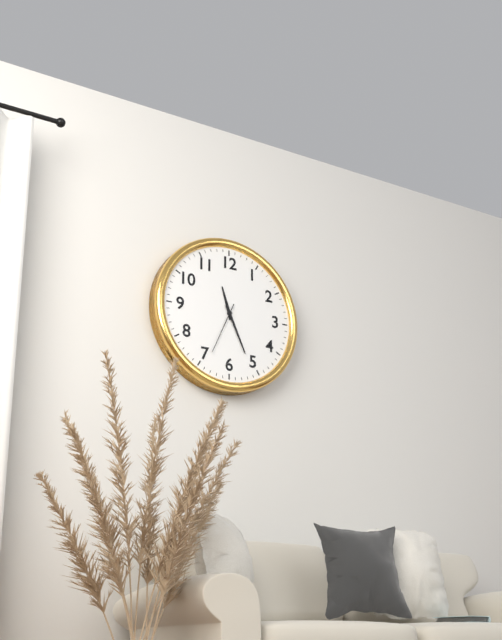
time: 11:26:34
